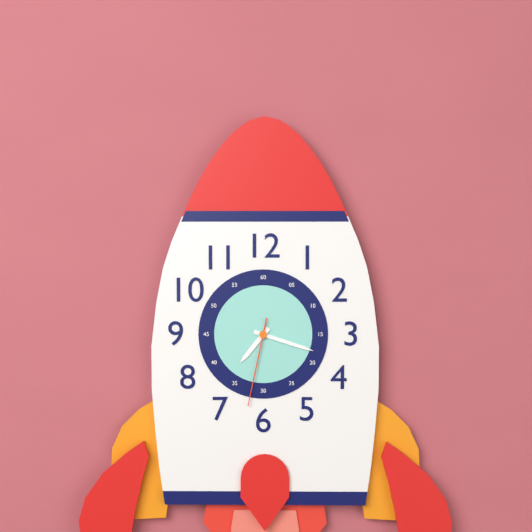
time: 7:18:32
